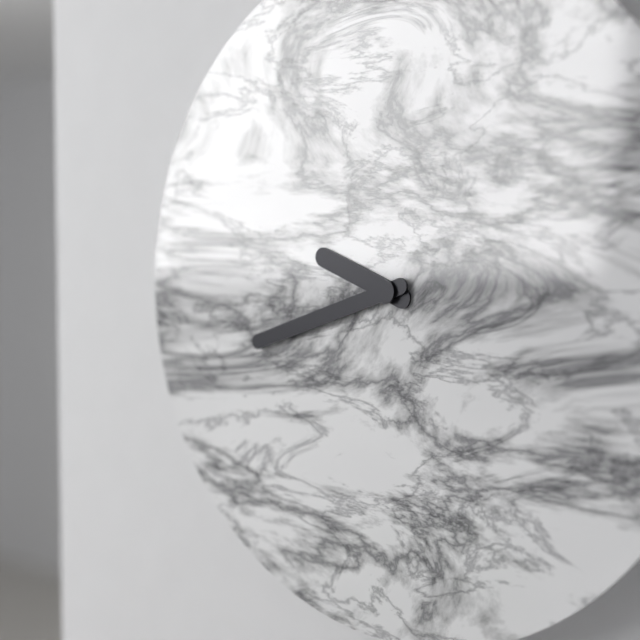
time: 9:42
